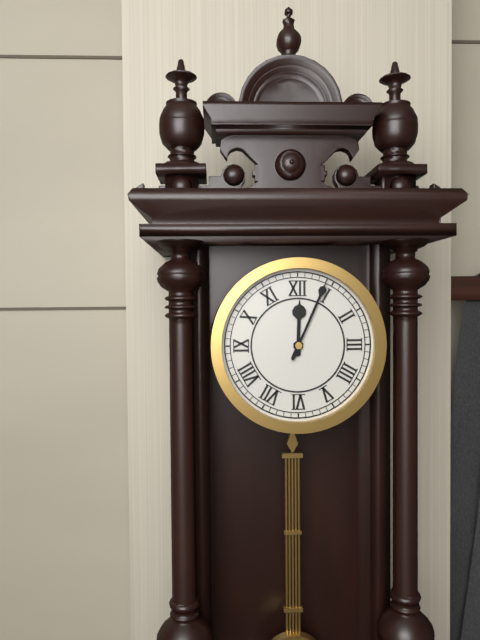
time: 12:04
